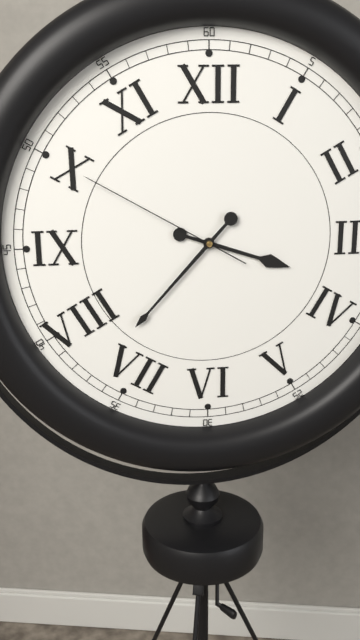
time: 3:37:50
